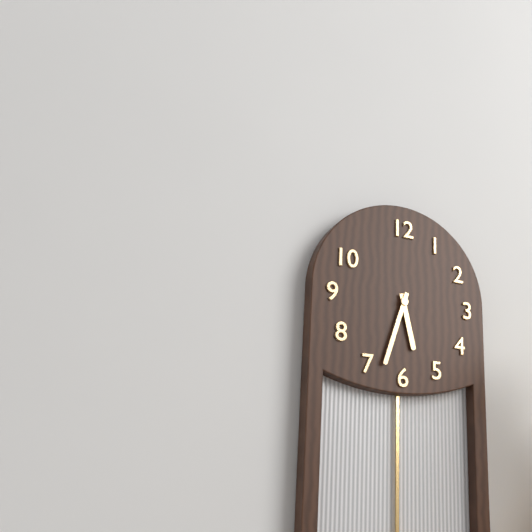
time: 5:33
